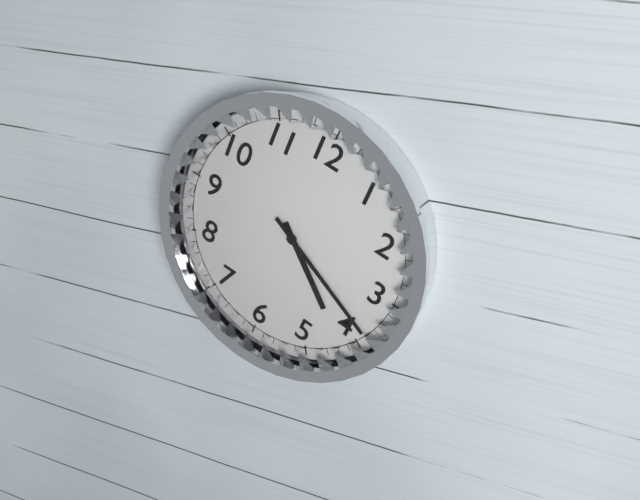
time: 4:19
